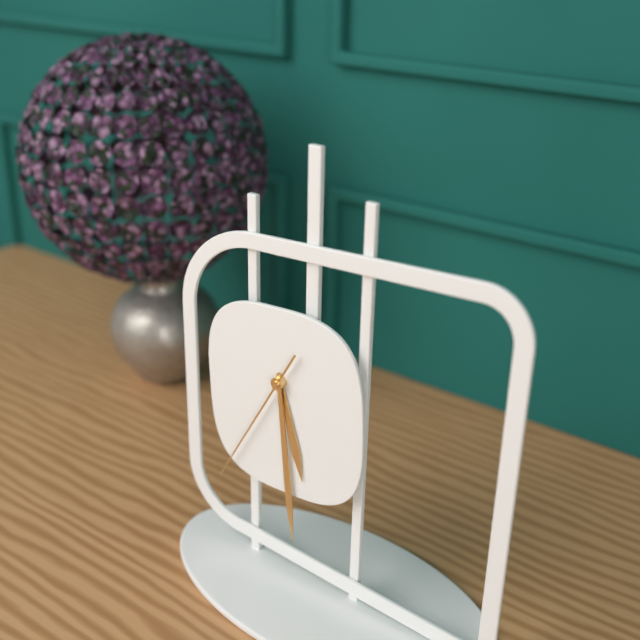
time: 5:29:35
